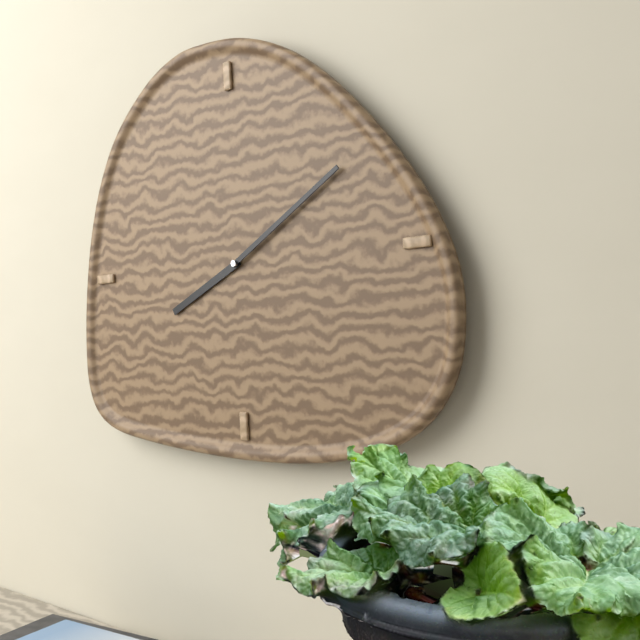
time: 8:10
